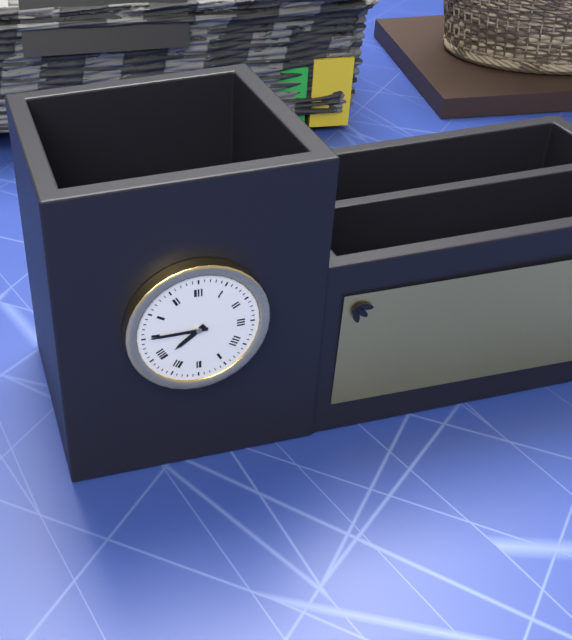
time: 7:45
